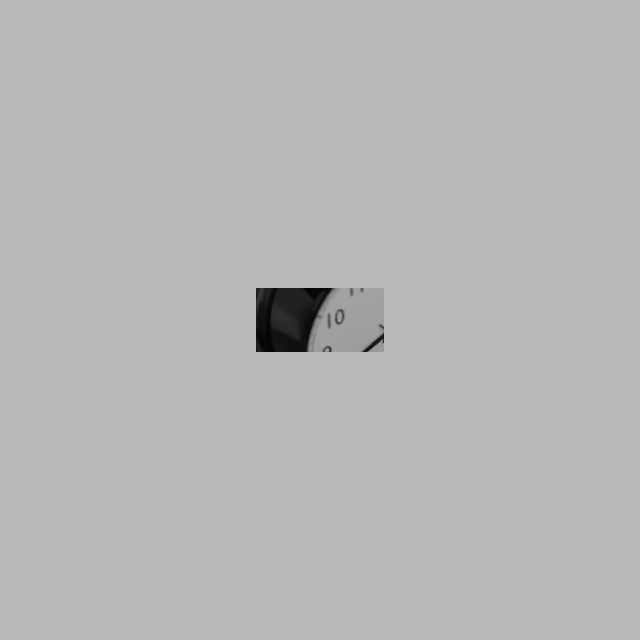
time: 12:41
